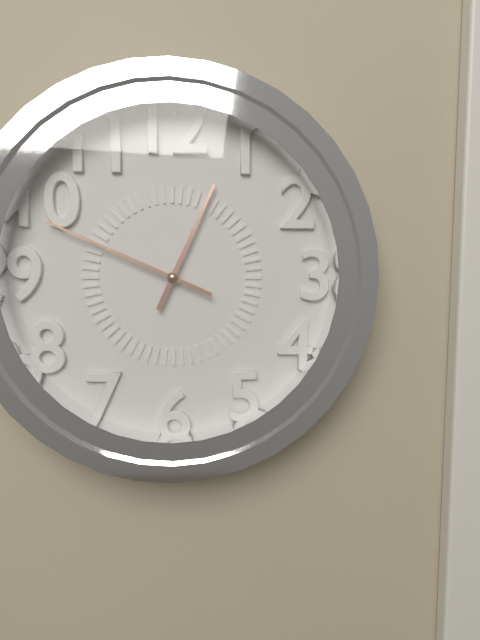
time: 12:49
